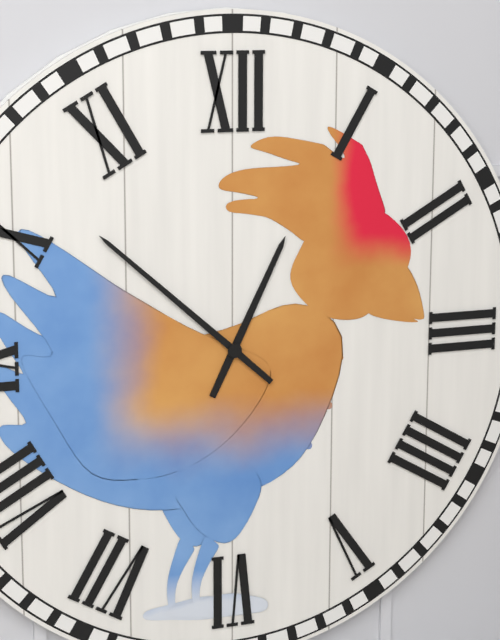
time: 12:52
